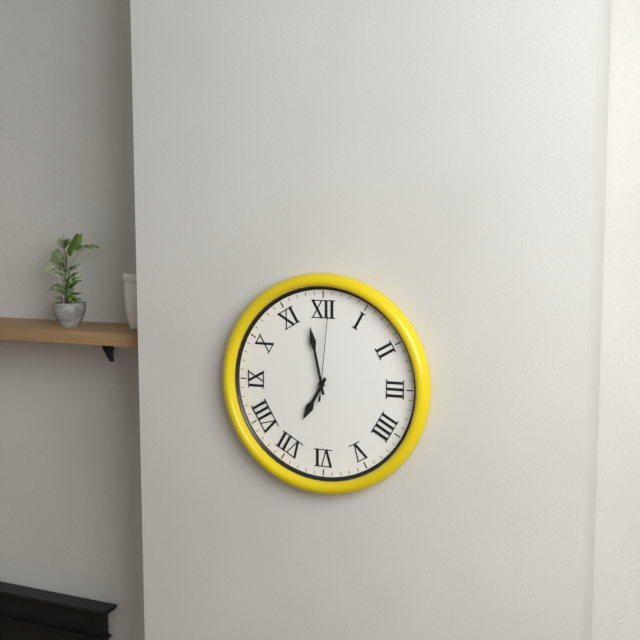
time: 6:58:01
